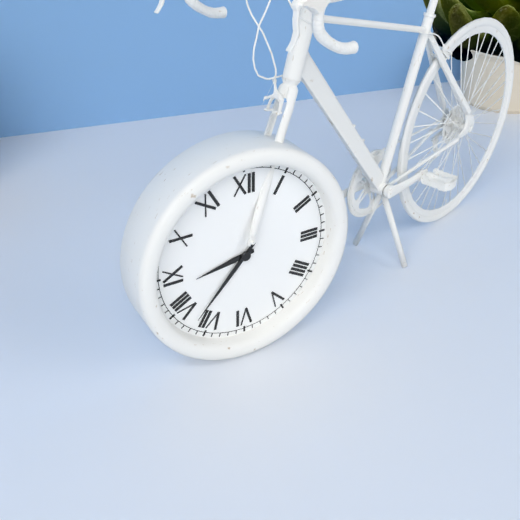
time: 8:37
